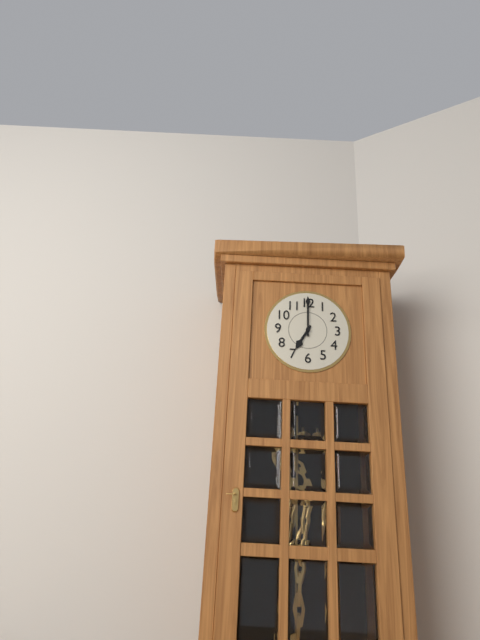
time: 7:00
